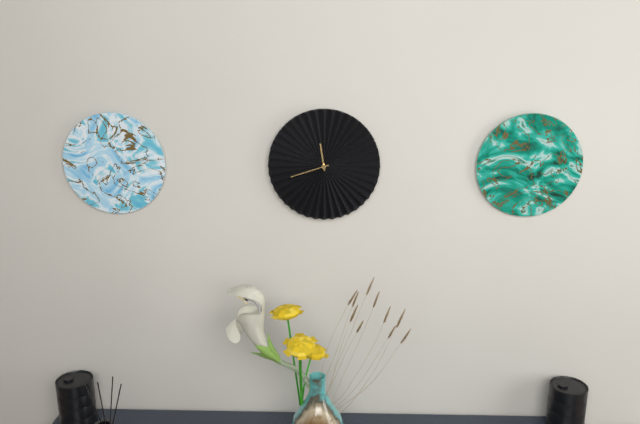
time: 11:42
